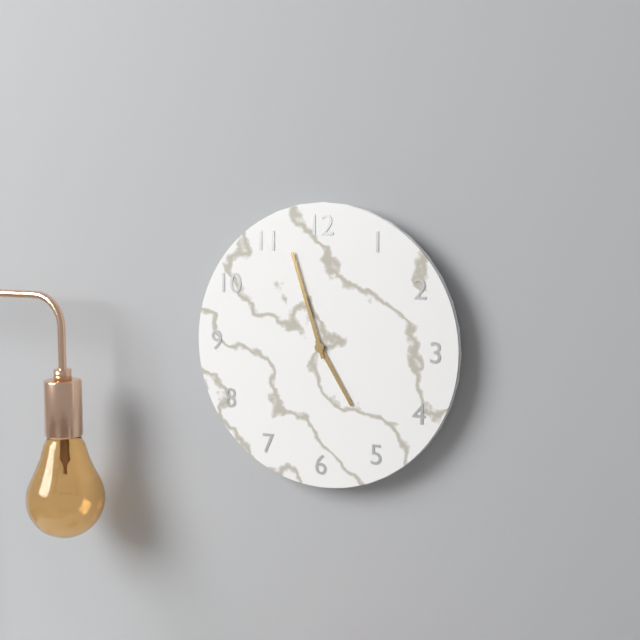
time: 4:57
